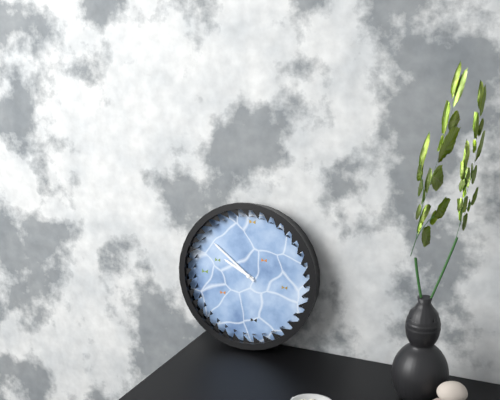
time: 9:51
